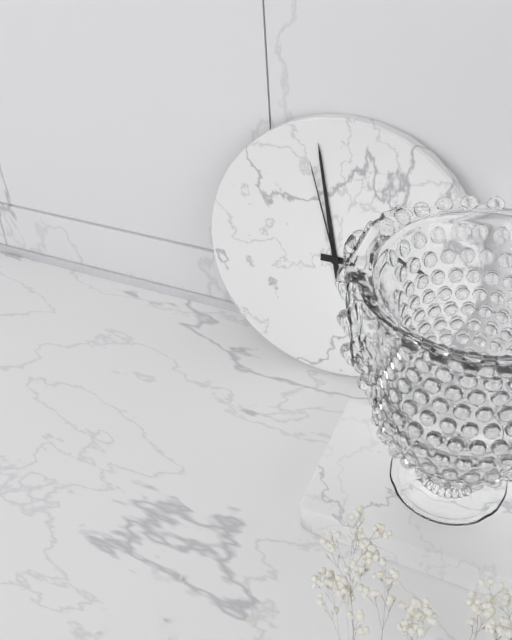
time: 2:58:57
